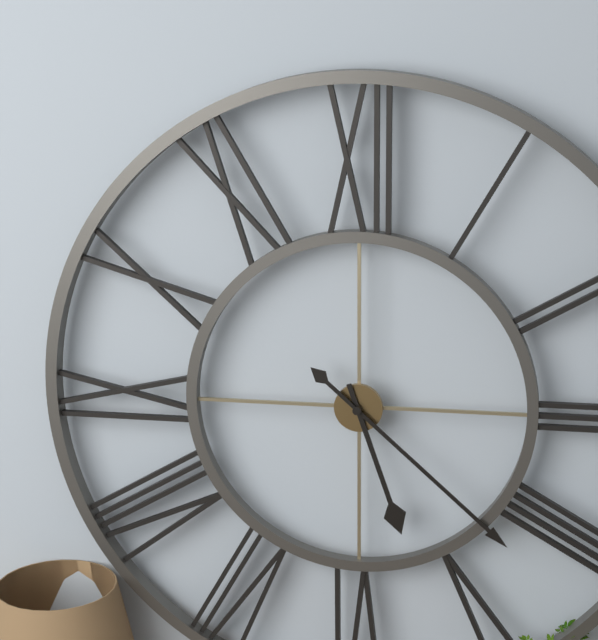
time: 5:22
